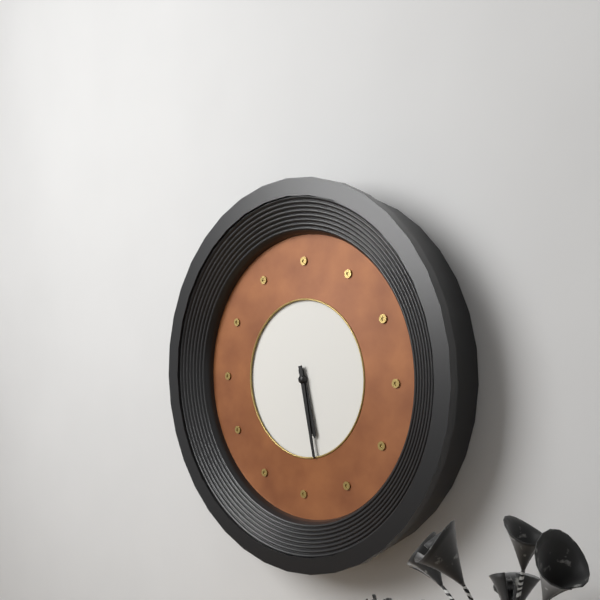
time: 5:28
